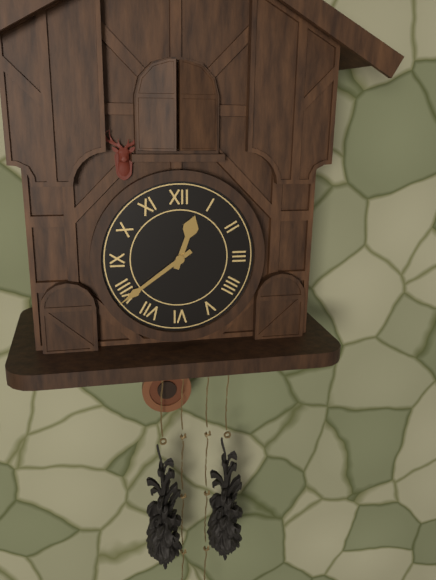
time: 12:39
